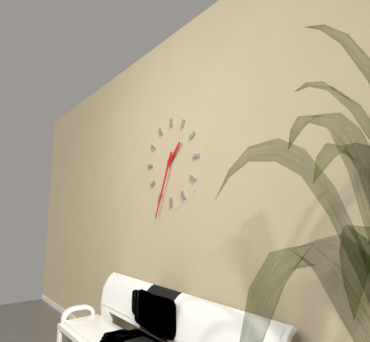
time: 1:34
